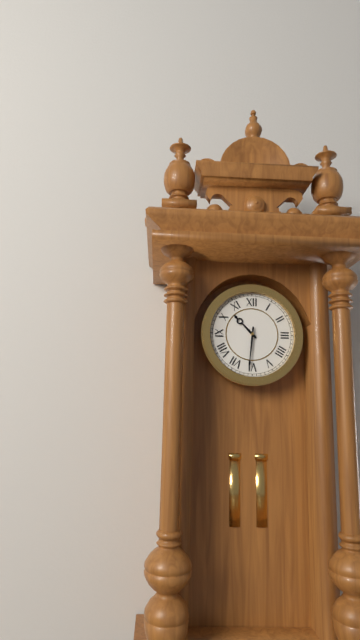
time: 10:31
